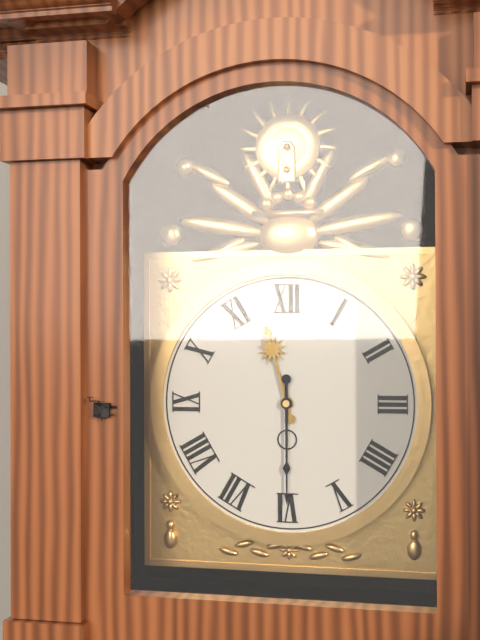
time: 11:30
